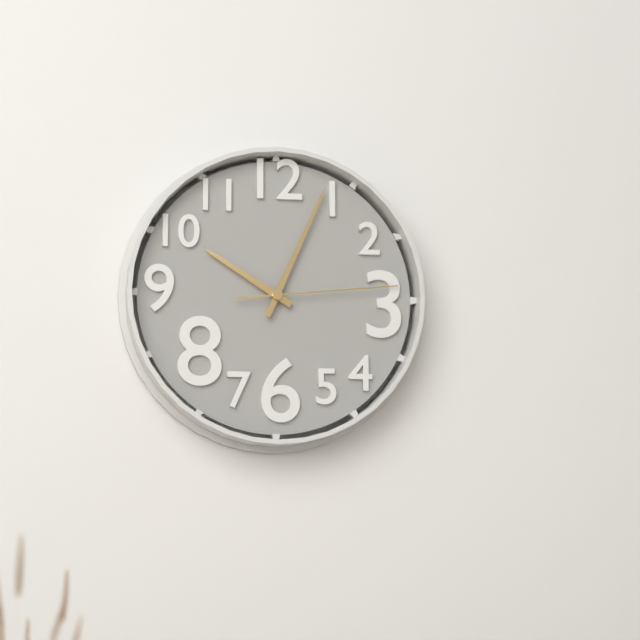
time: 10:04:14
